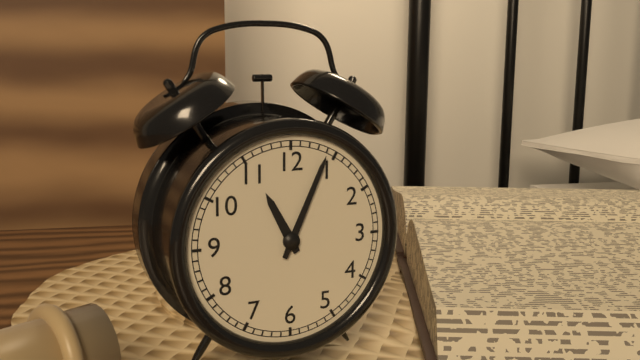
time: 11:04
